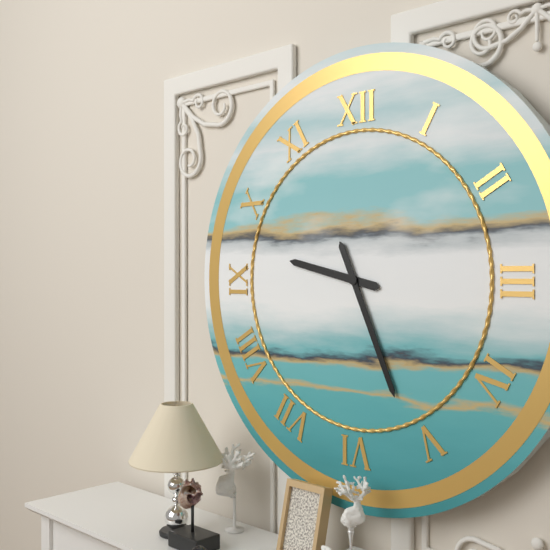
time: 9:26
